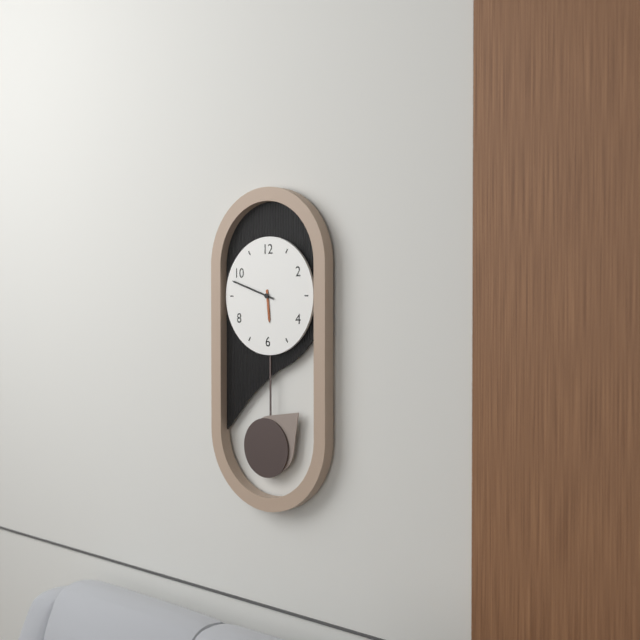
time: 5:48
